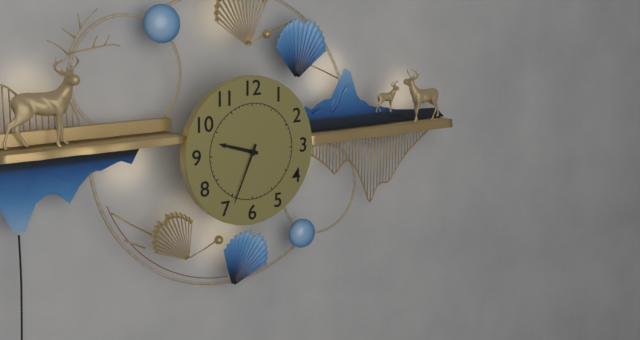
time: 9:34
